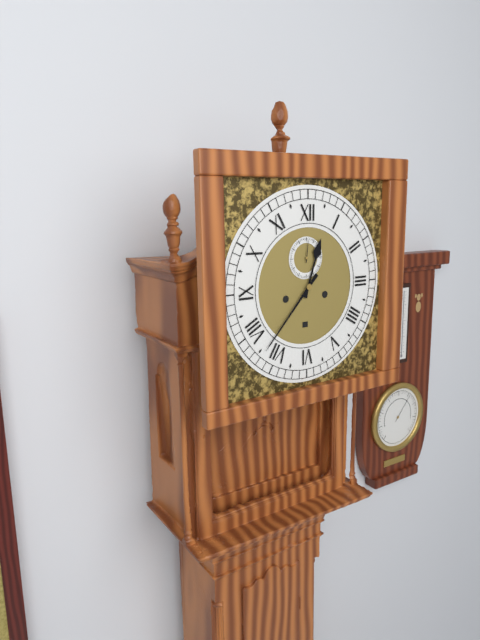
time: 12:37
